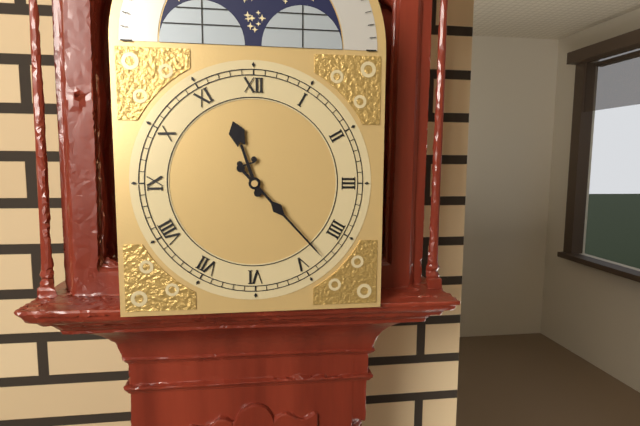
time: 11:23
